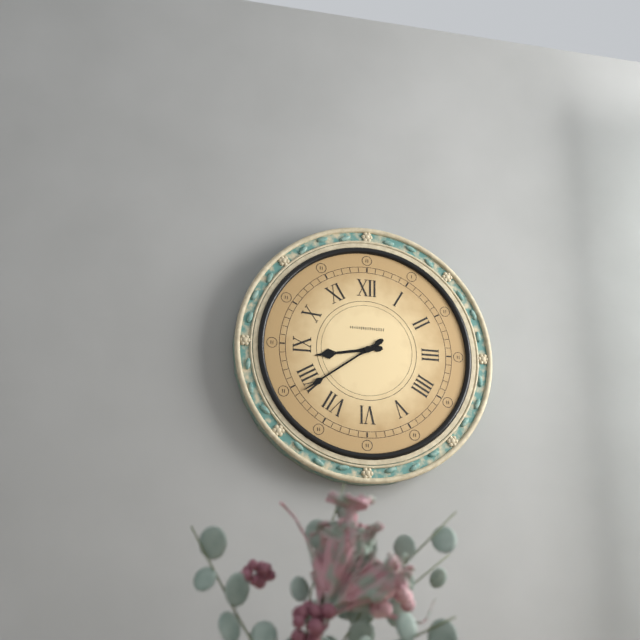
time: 8:39
